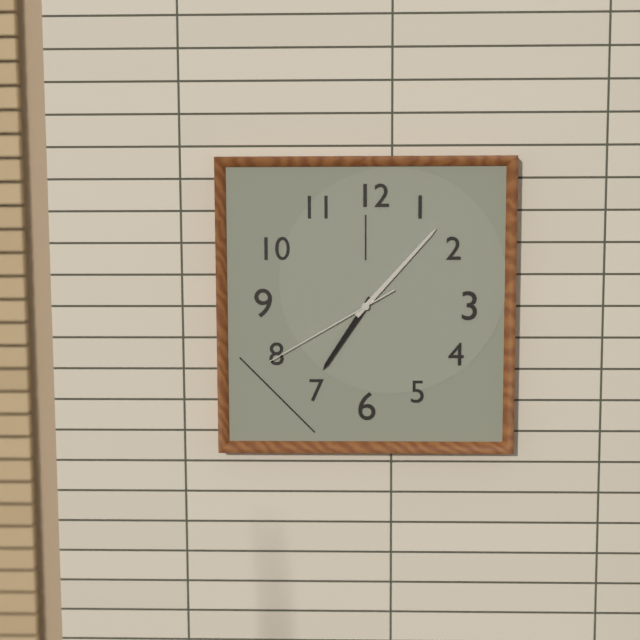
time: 7:07:40
